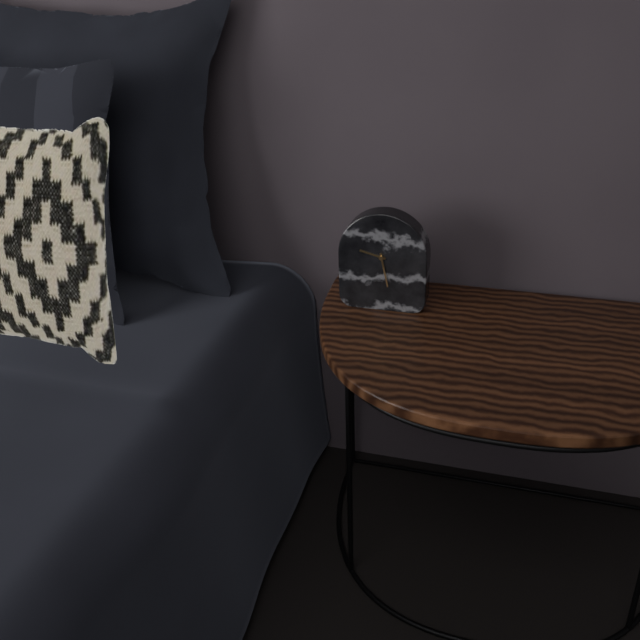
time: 9:28
